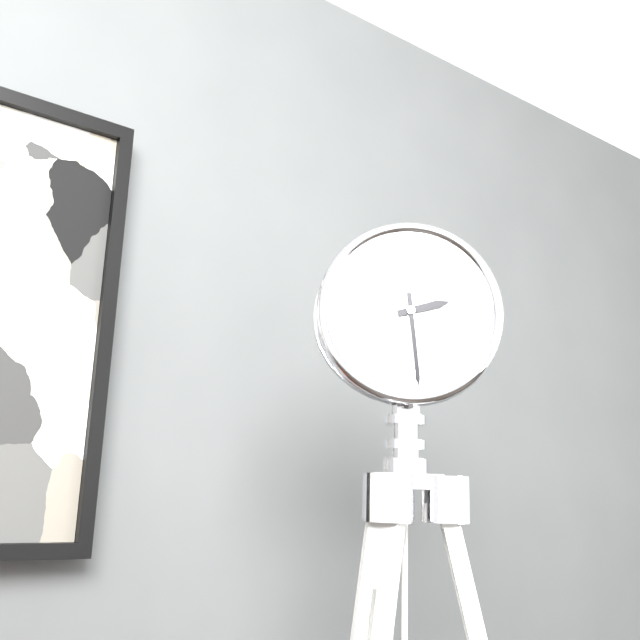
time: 2:29
